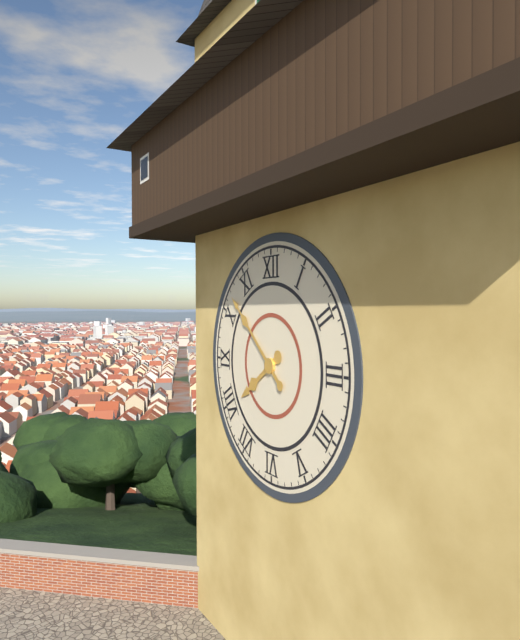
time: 7:52
